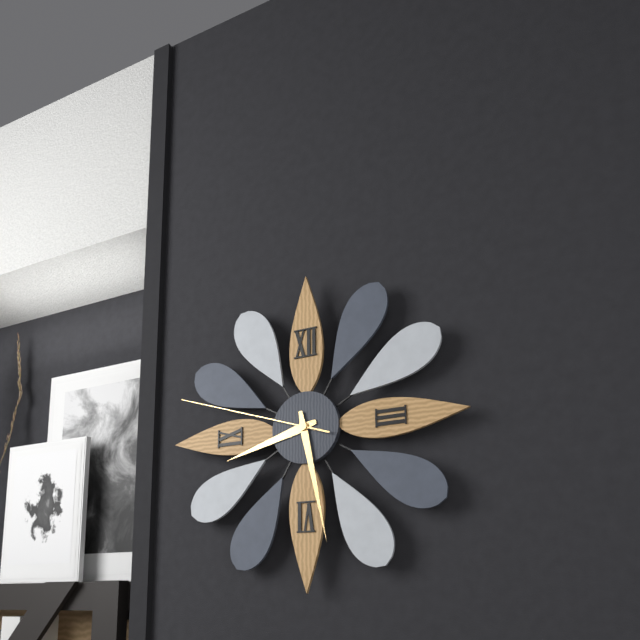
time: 8:28:48
